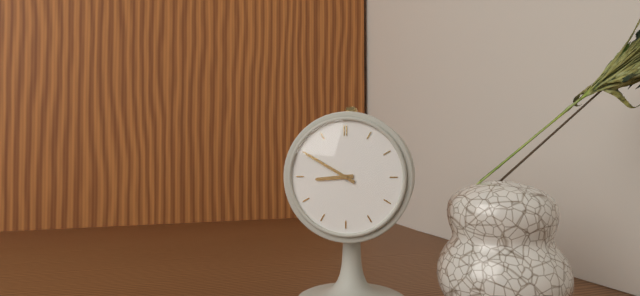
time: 8:50
